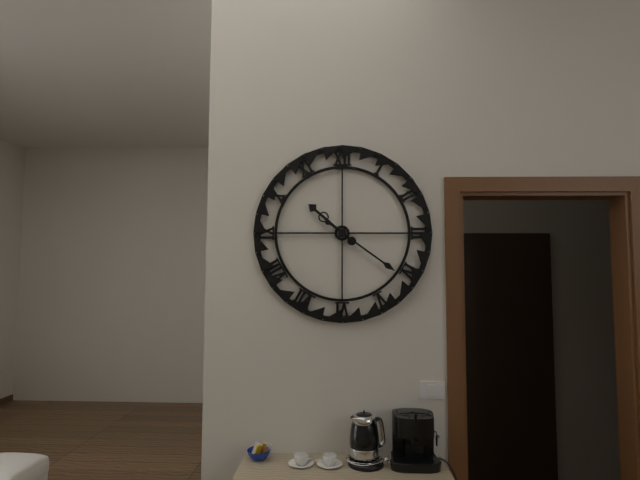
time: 10:21
